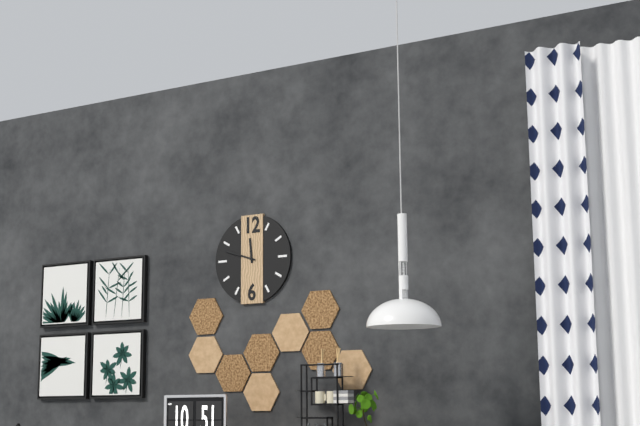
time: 11:48
